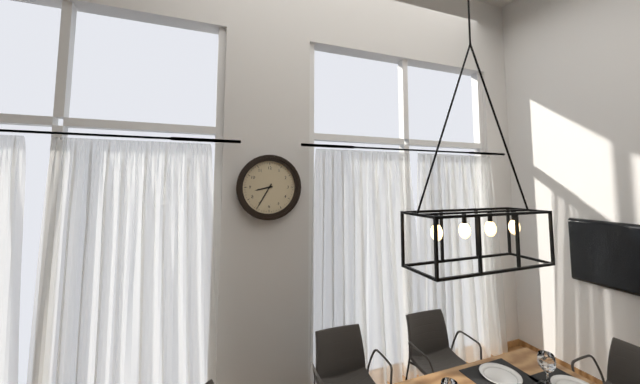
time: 8:35
